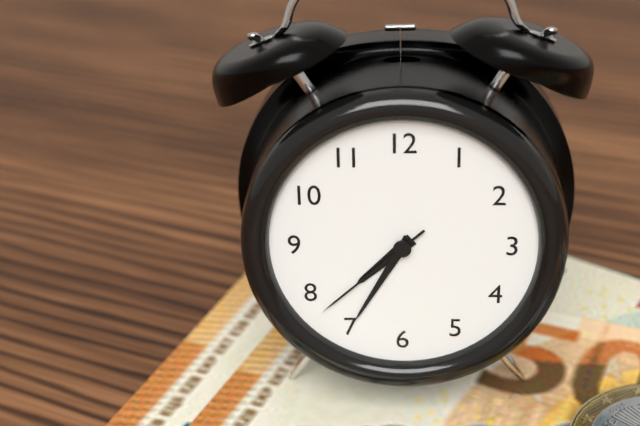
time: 7:35:38
